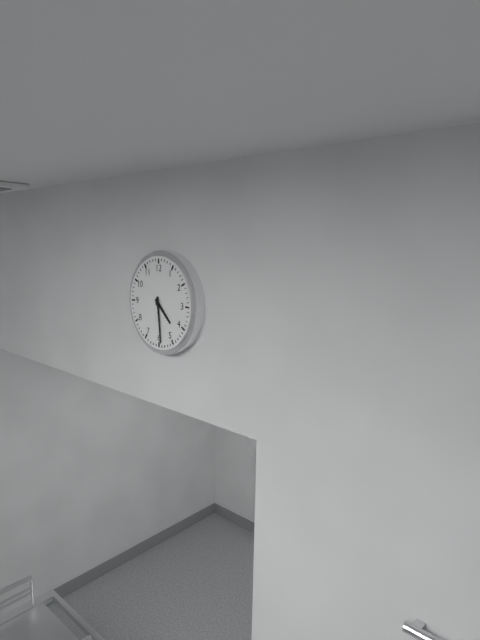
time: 4:29
